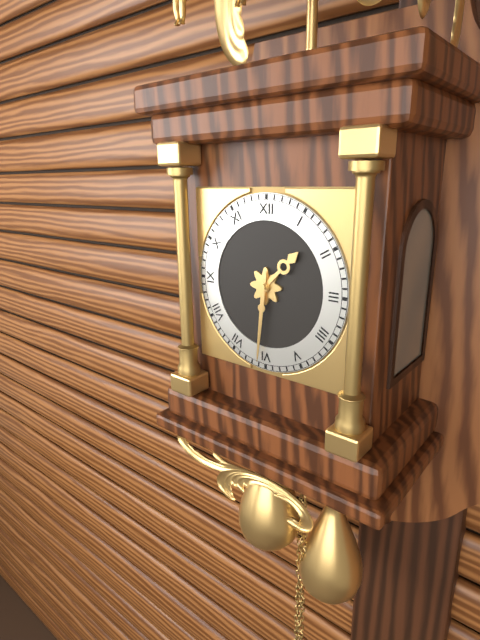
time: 1:31
